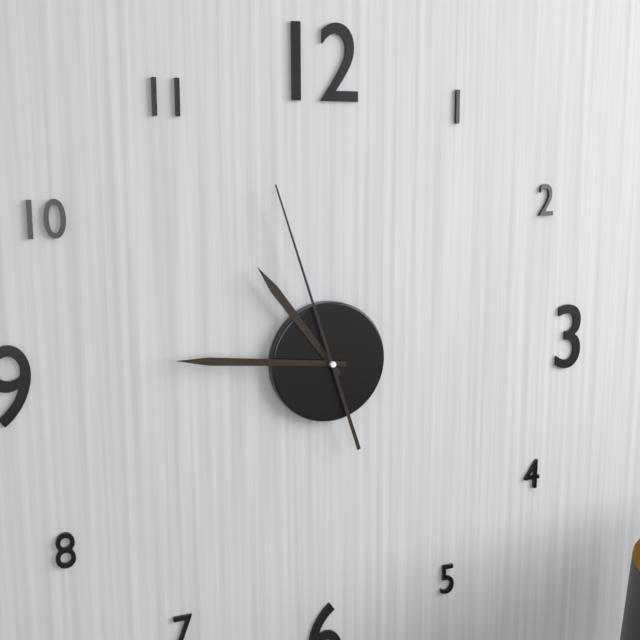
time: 10:46:57
